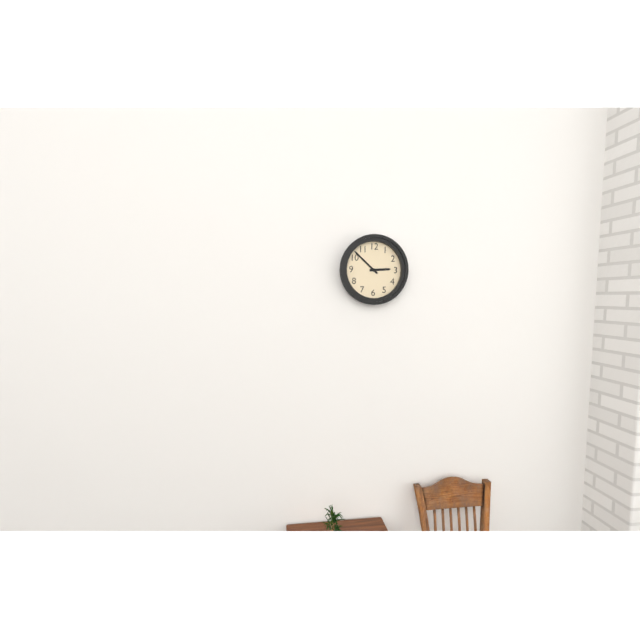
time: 2:52
